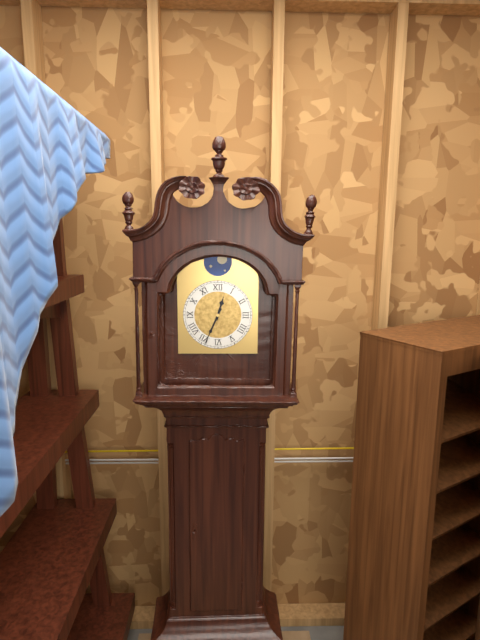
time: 12:34
